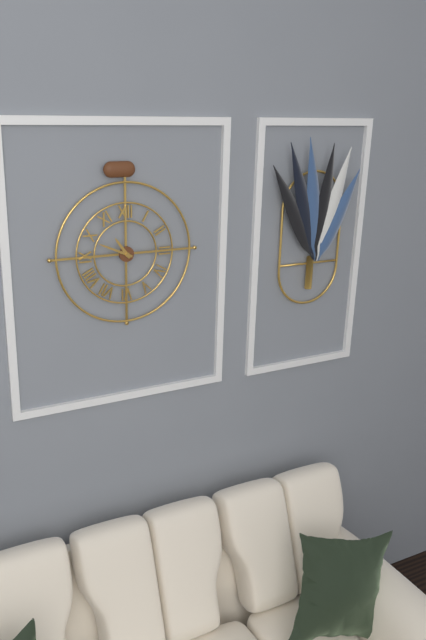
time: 10:49
